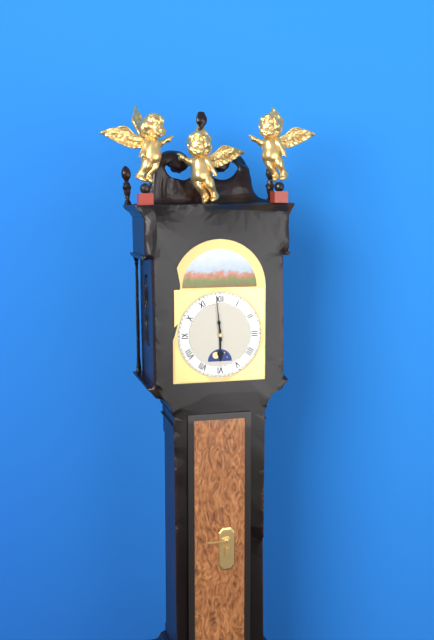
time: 5:59
